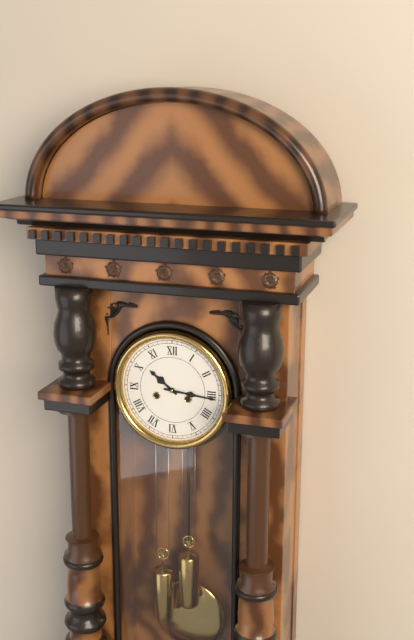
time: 10:16
